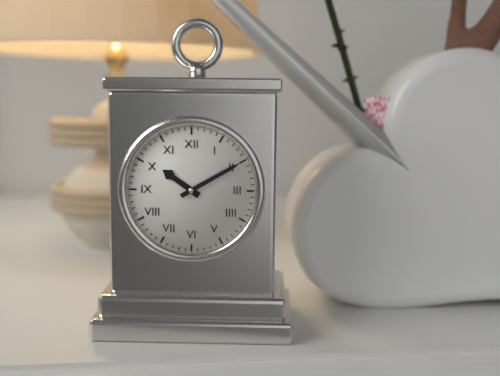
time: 10:10
